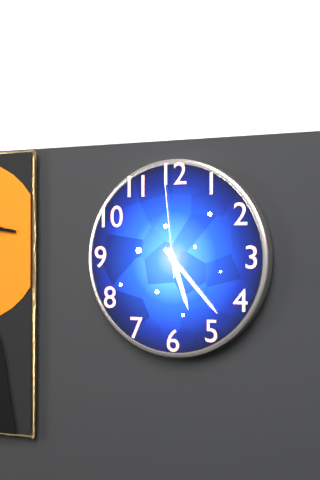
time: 5:23:59
